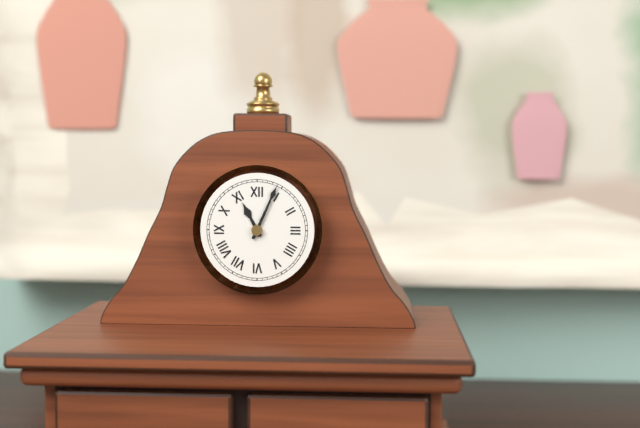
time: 11:04
